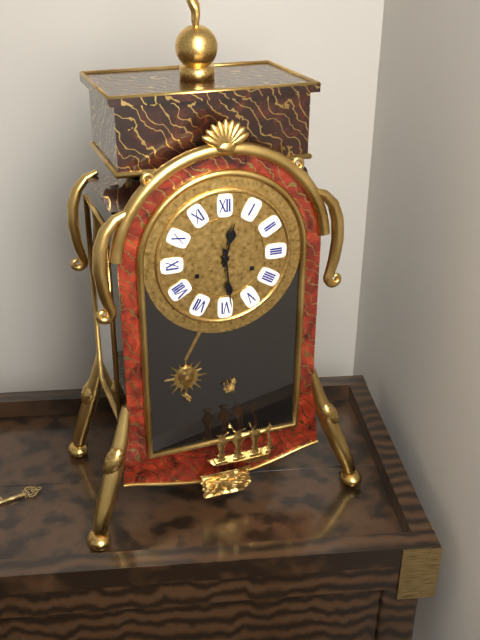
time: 12:29
